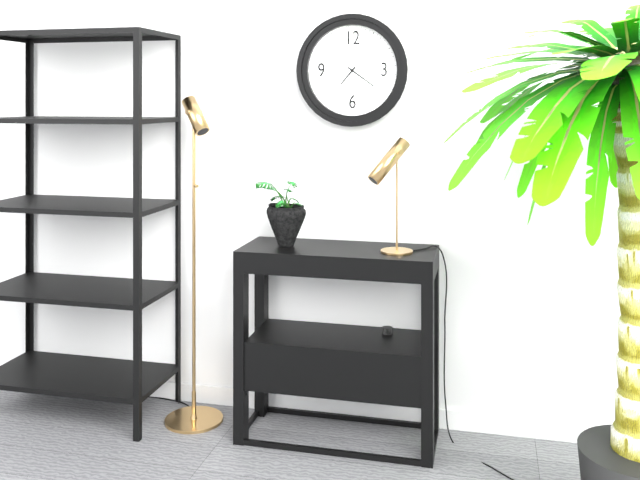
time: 7:21
